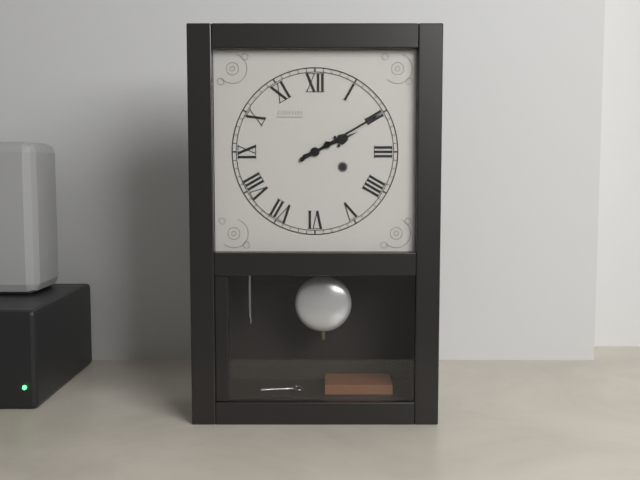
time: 2:10
